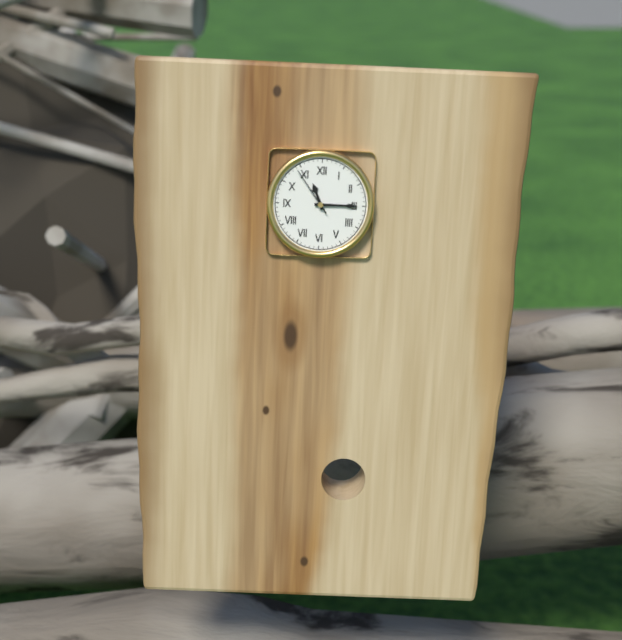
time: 11:15:54
